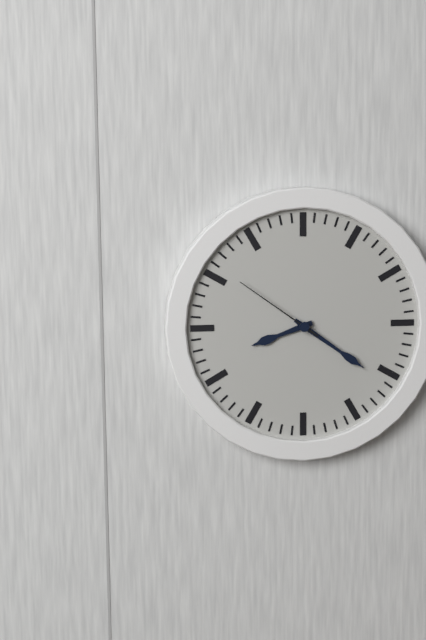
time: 8:21:51
